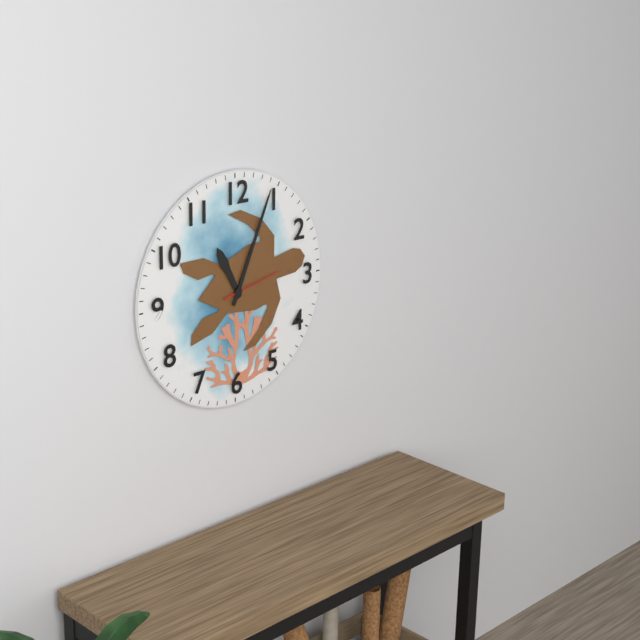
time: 11:04:13
